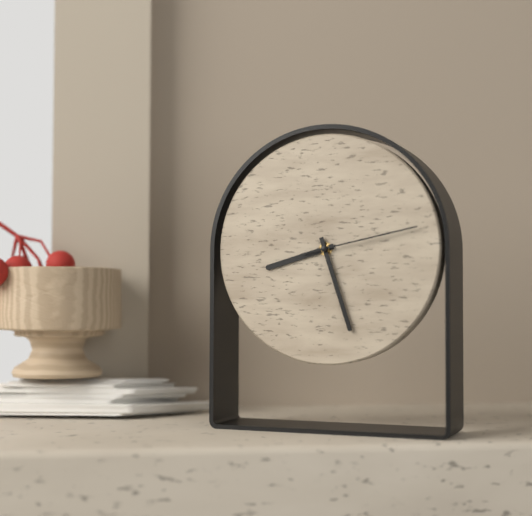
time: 8:27:13
